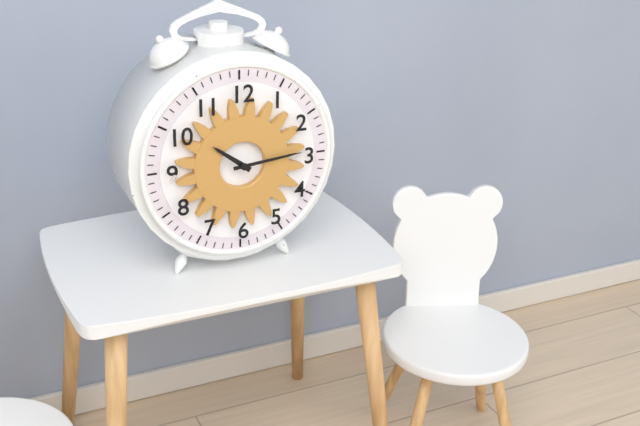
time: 10:14
